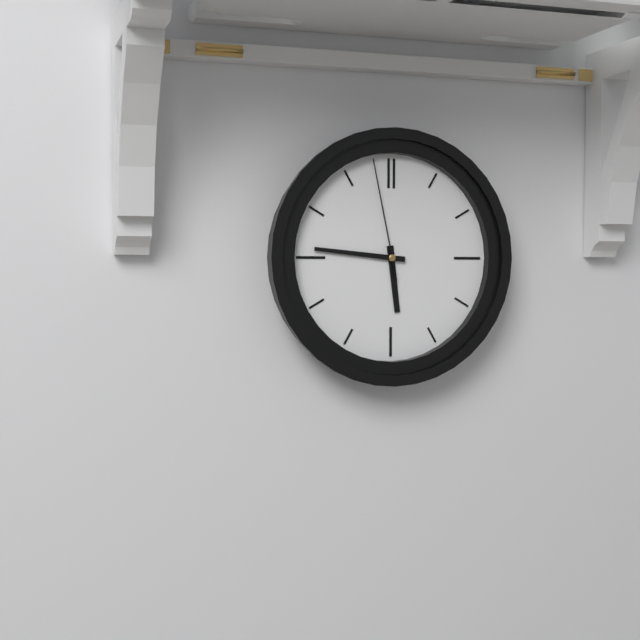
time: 5:46:58
